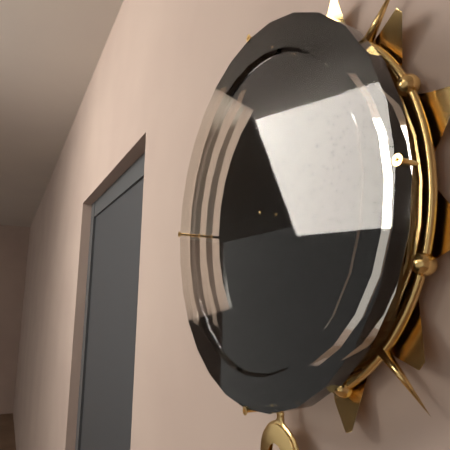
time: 2:54
